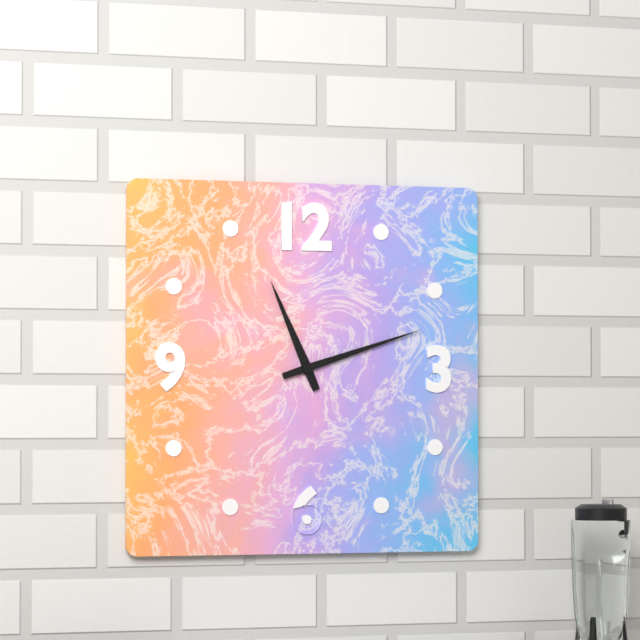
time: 11:12
